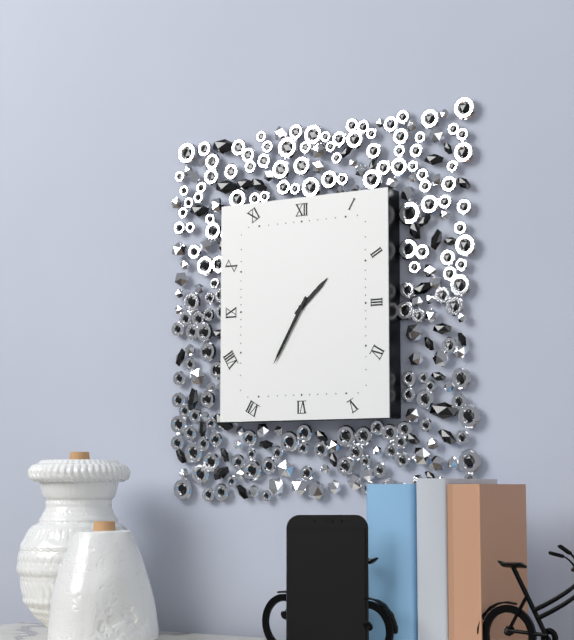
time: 1:35
